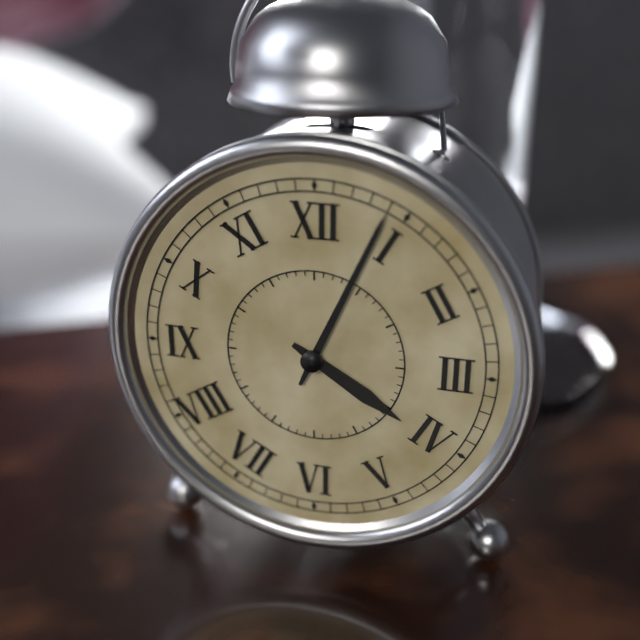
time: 4:04
